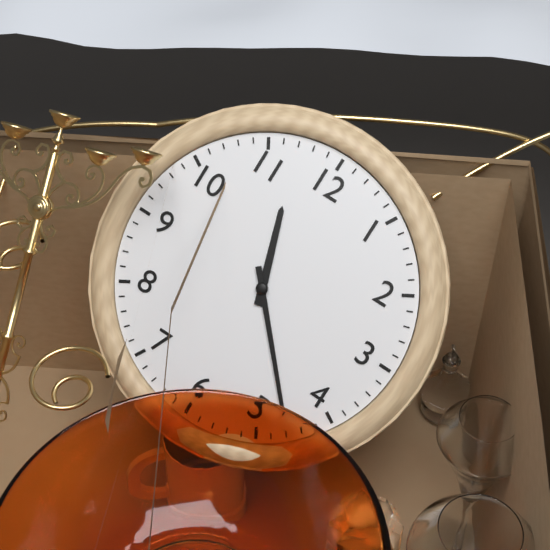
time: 11:23
